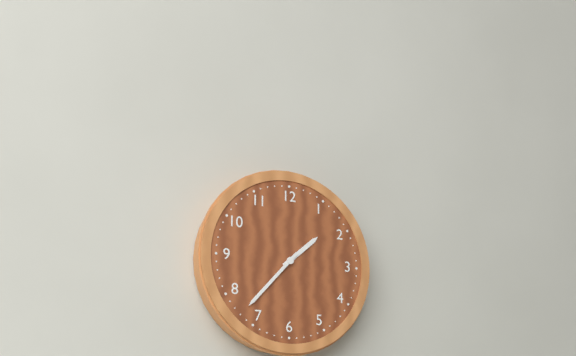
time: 1:37
